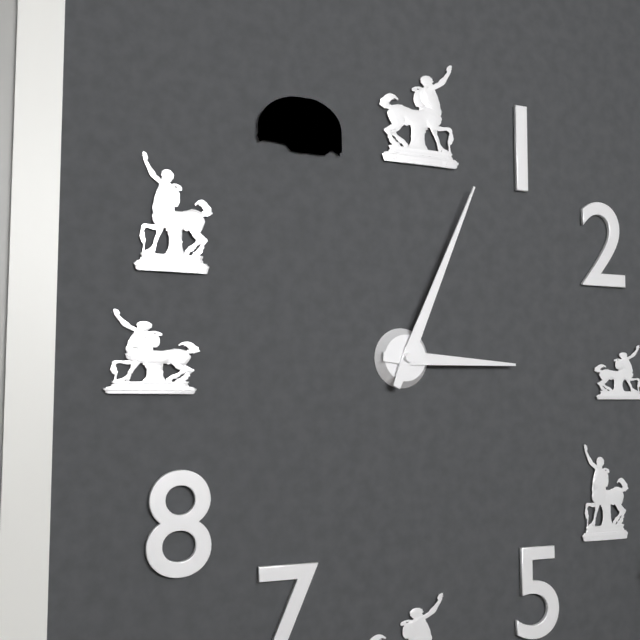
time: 3:04
